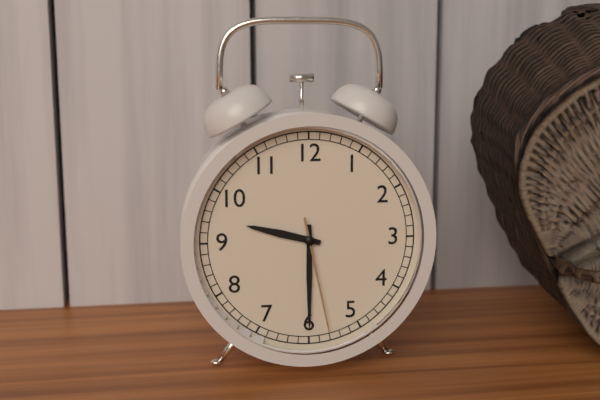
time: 9:30:28
